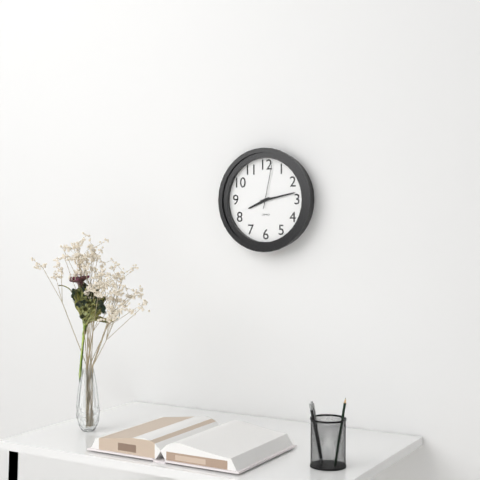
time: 8:13
